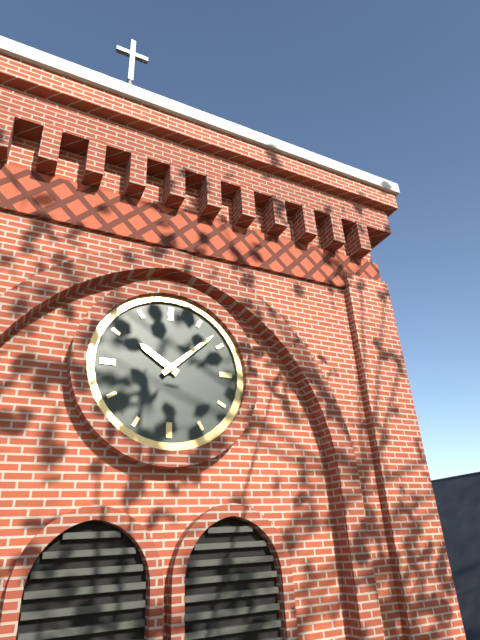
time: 10:08
